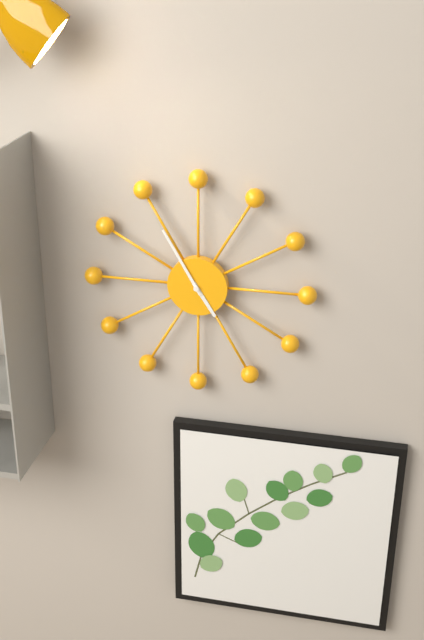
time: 4:55
